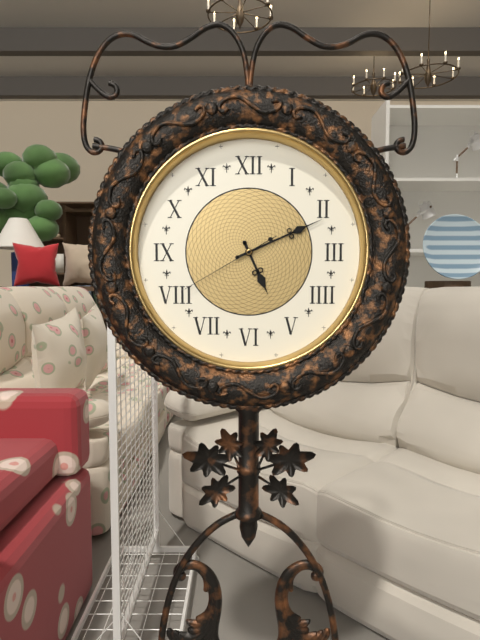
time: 5:11:40
